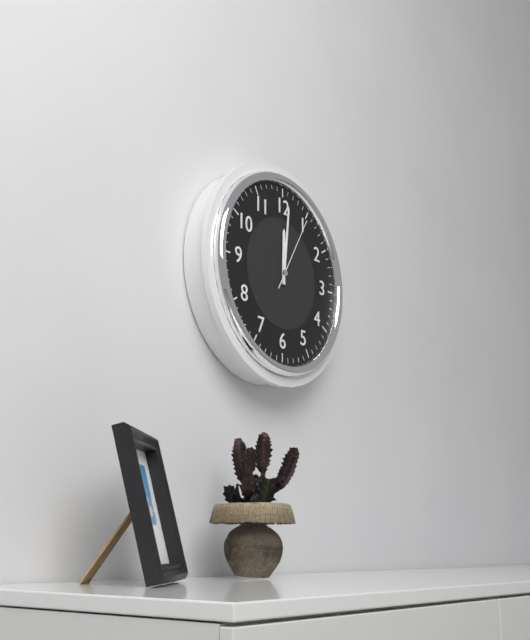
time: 12:01:05
